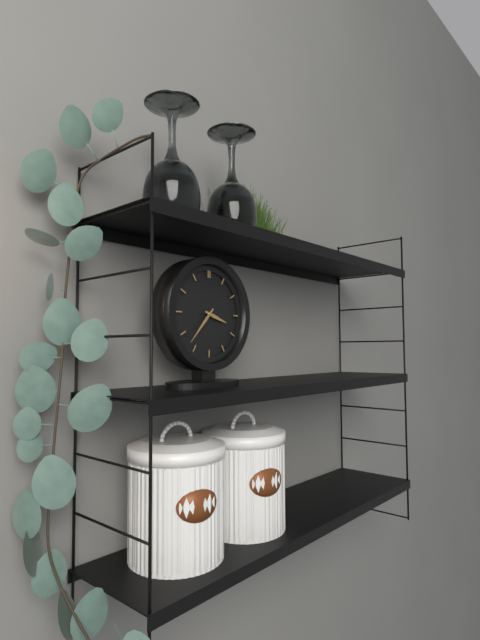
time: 3:37
